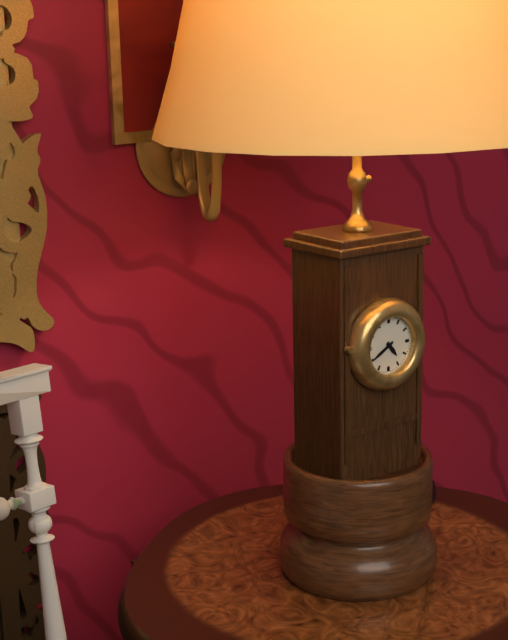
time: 4:40
